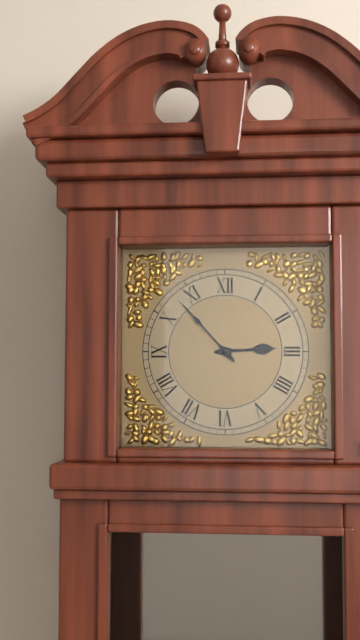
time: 2:53
